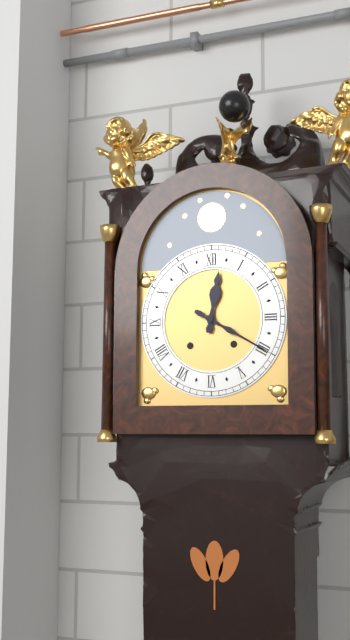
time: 12:20
